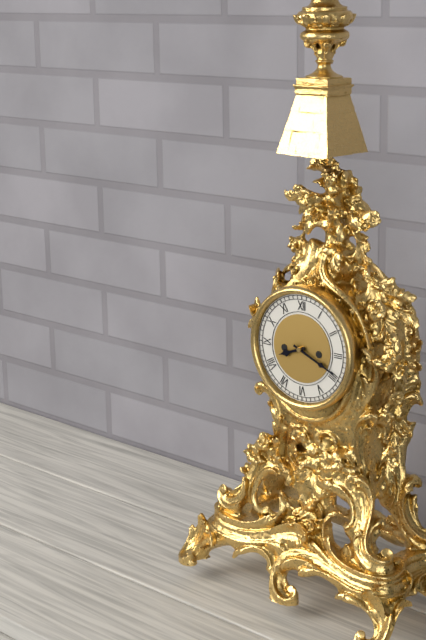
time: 8:19
